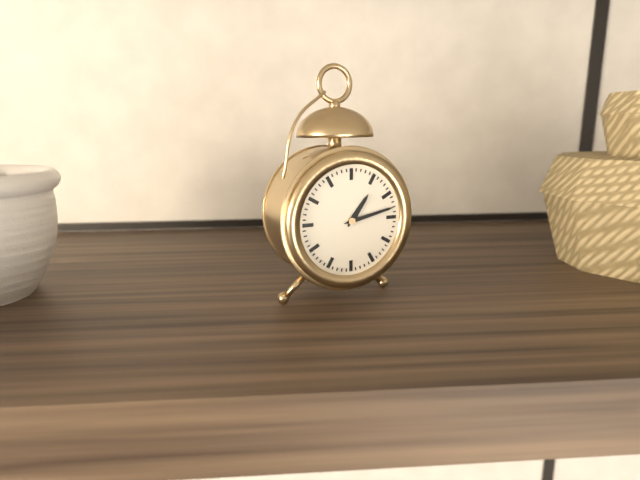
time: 1:13
